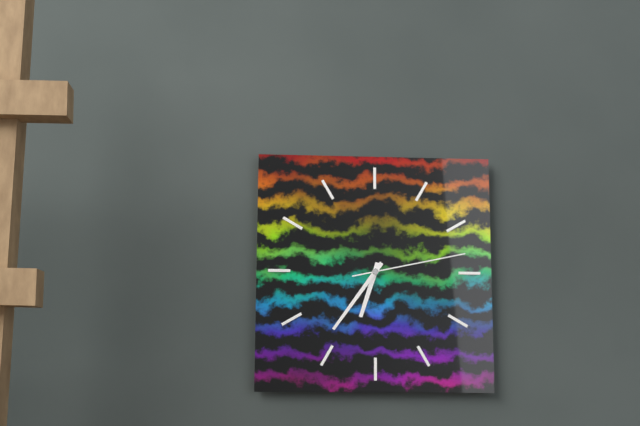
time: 6:36:13
